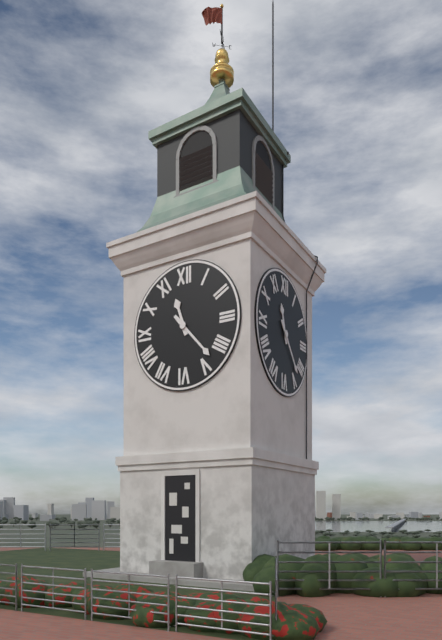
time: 11:23
